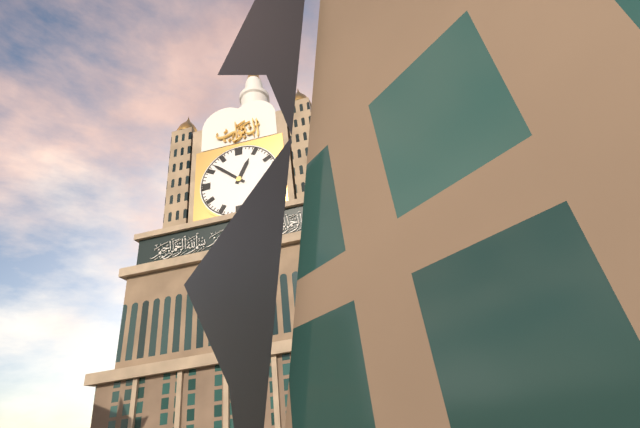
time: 12:52
